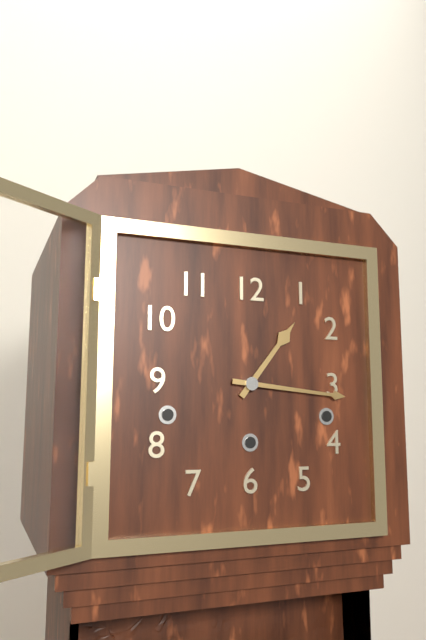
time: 1:16
